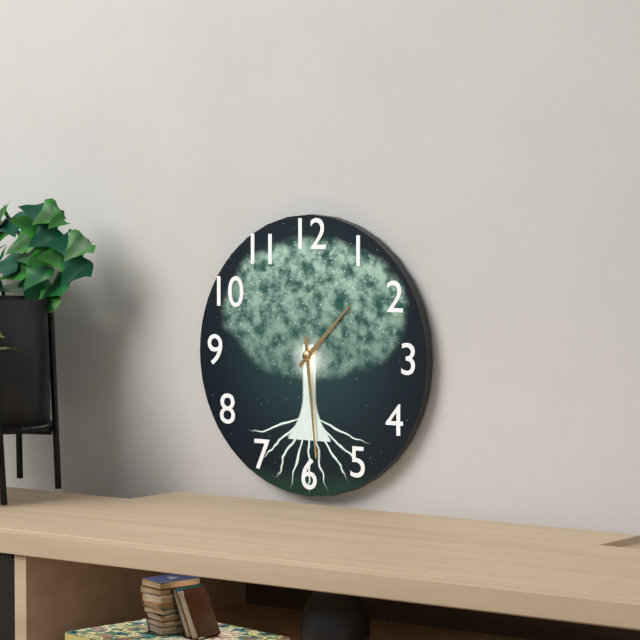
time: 1:29
